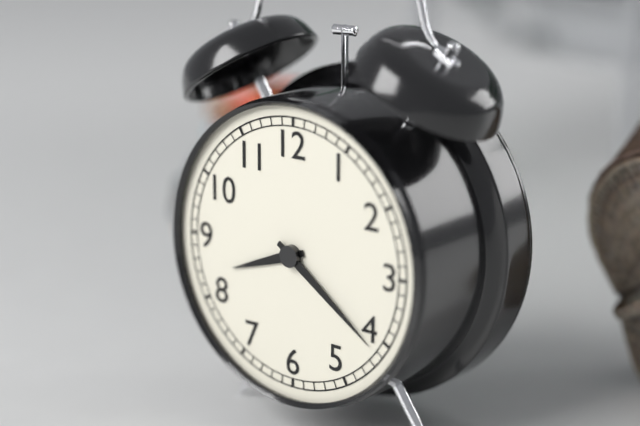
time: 8:21
